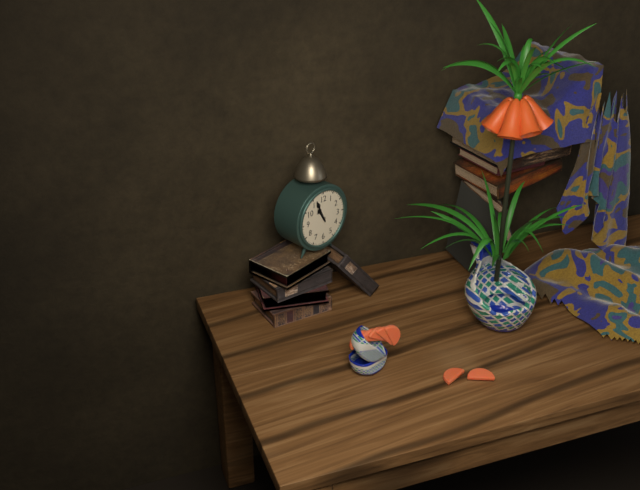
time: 10:56
